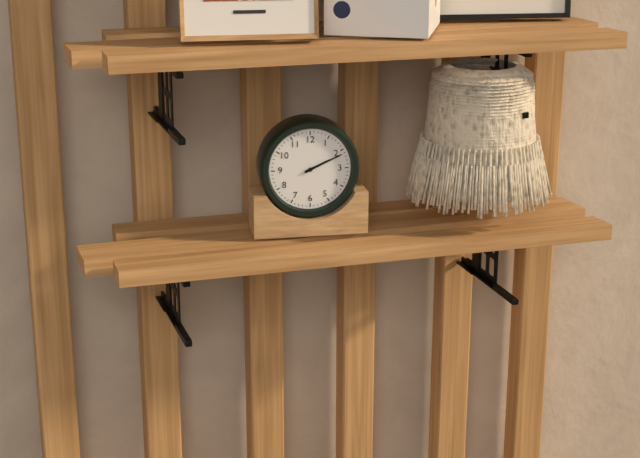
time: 2:11
